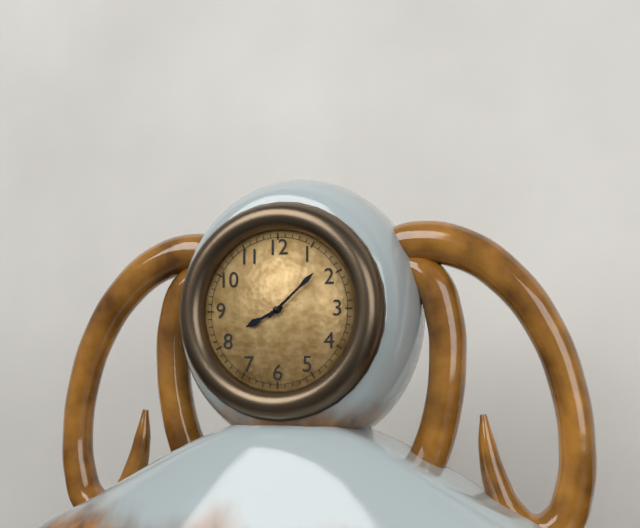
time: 8:08
